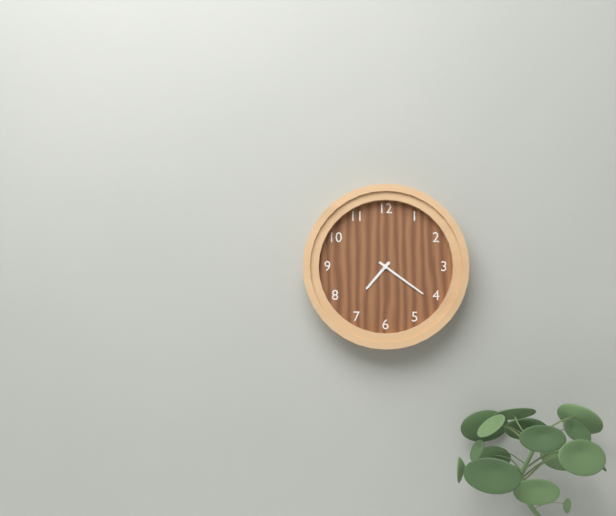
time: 7:21
